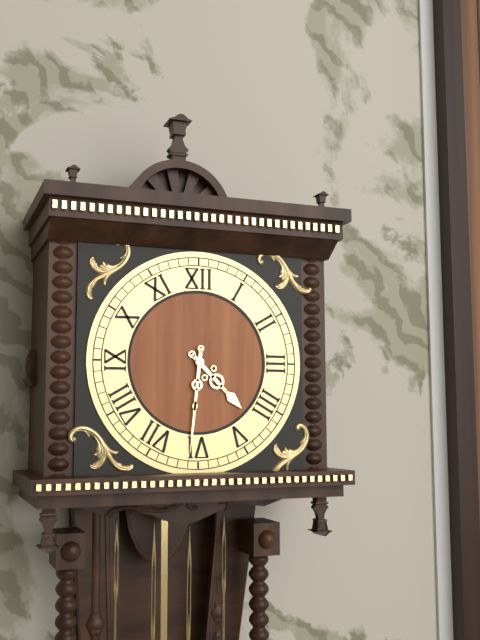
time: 4:31
